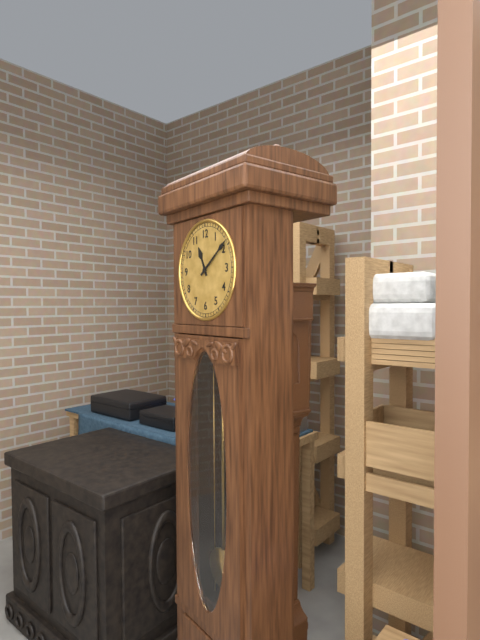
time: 11:09
